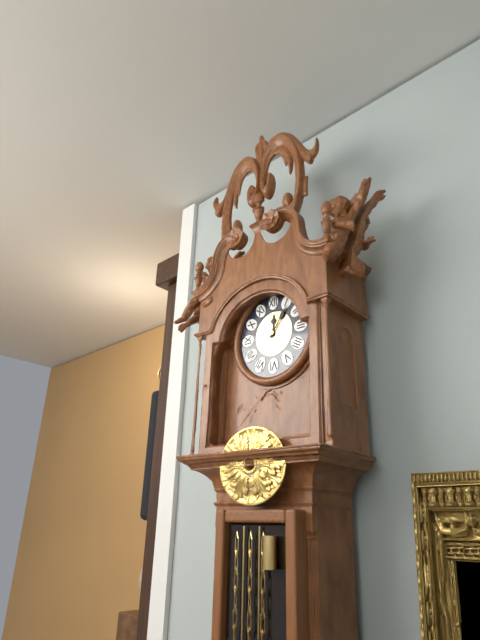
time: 12:06
